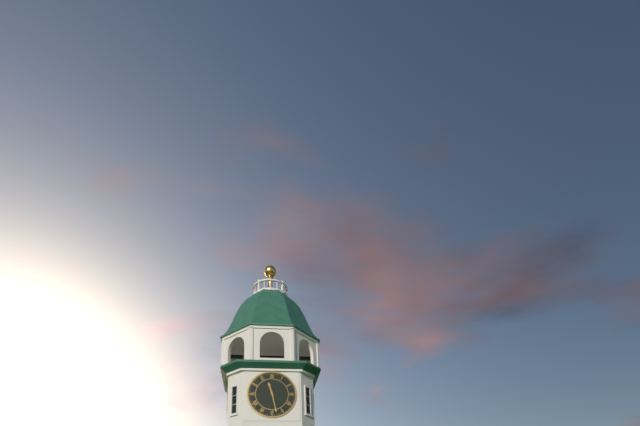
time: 11:28
